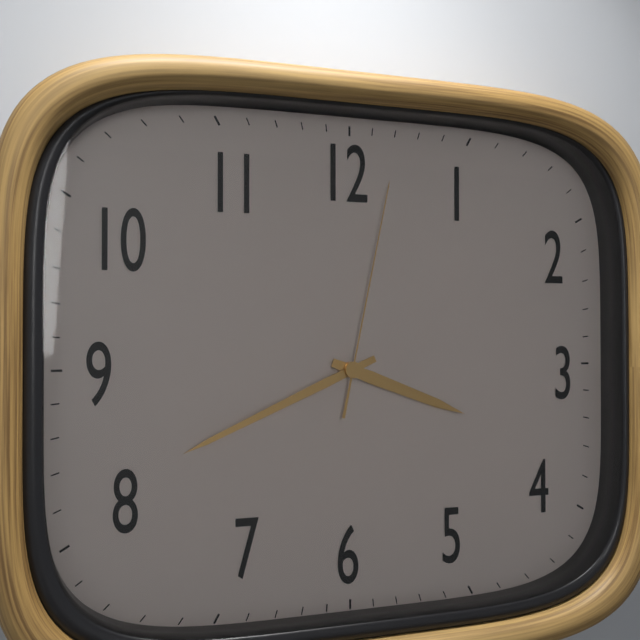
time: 3:41:02
